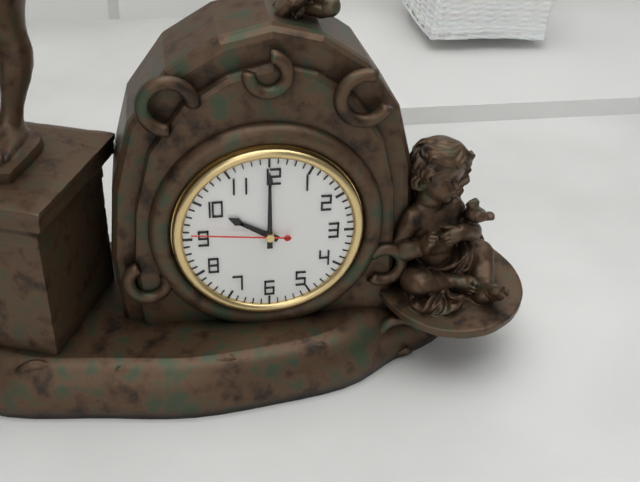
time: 10:00:46
